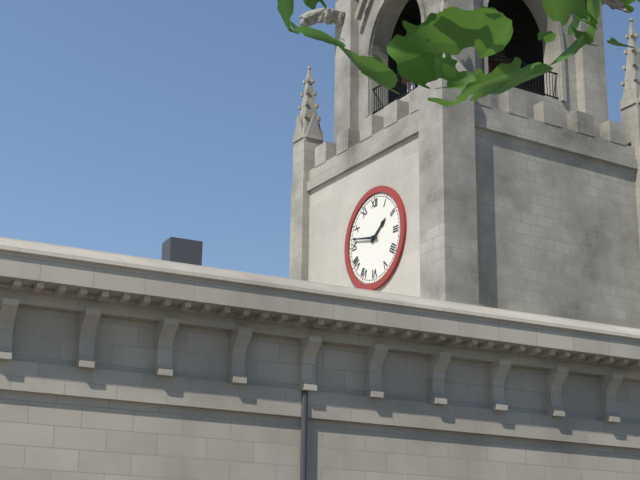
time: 1:47
